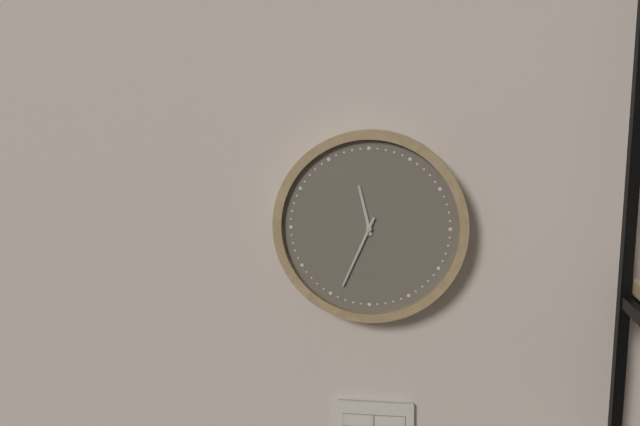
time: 11:34
